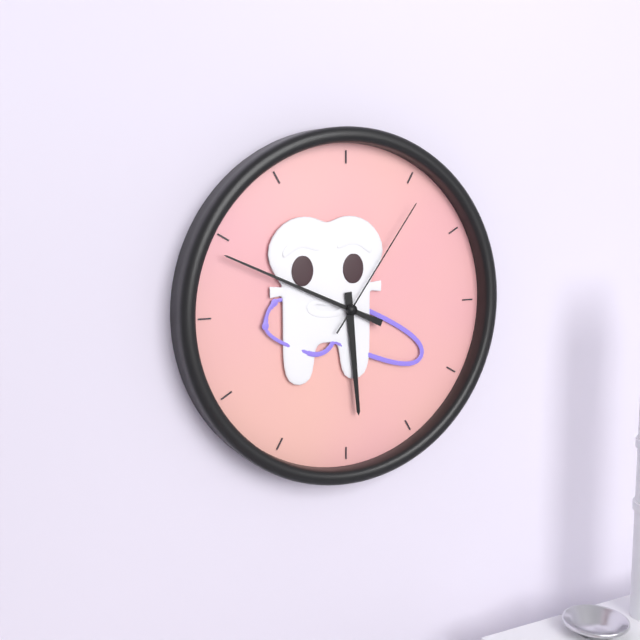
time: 5:49:06
